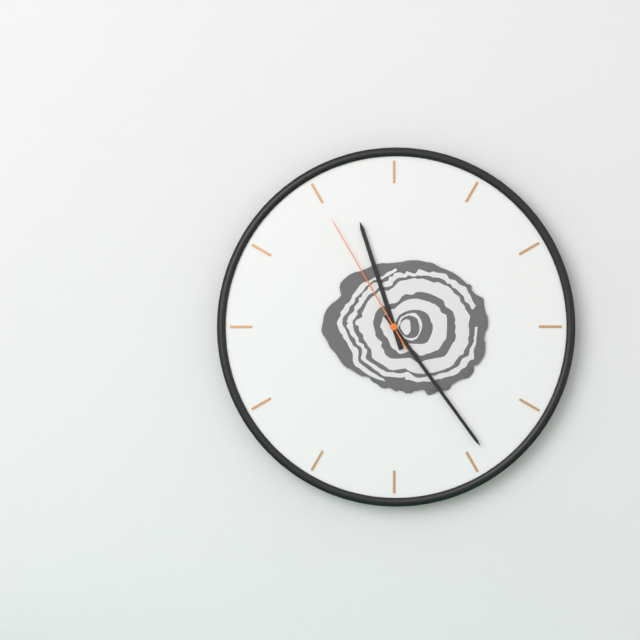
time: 11:24:55
